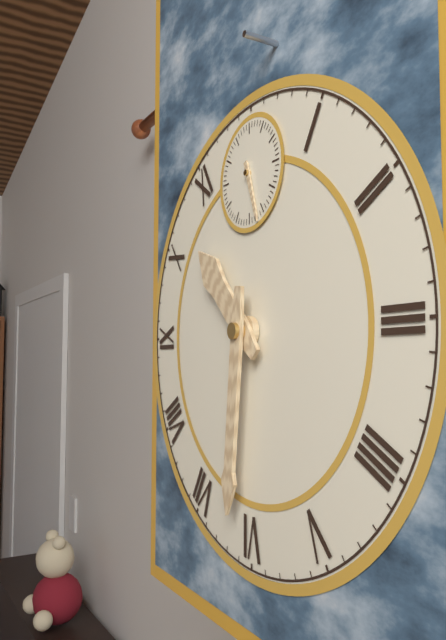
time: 10:31:27
